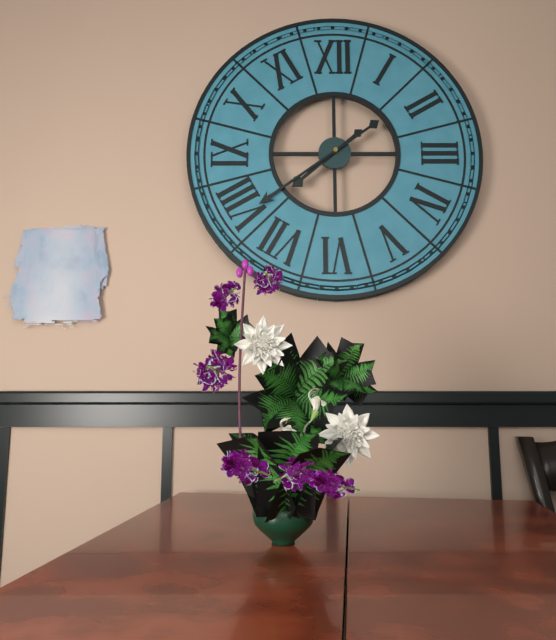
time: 7:39
